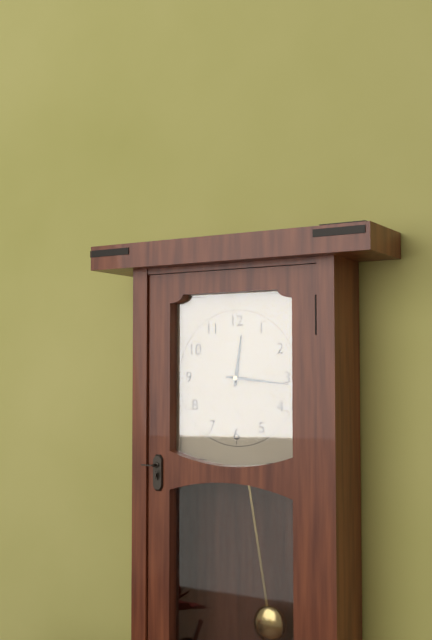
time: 12:16
